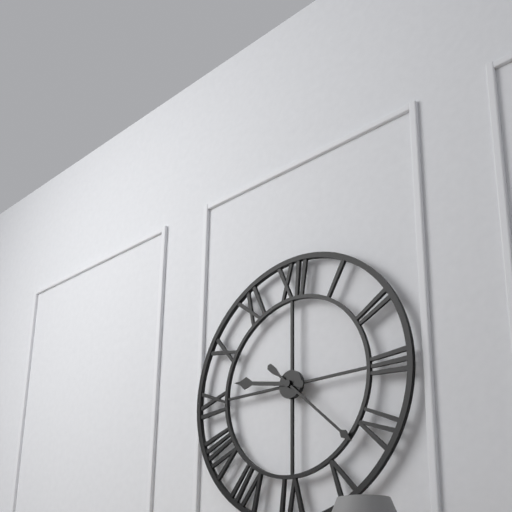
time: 9:22
